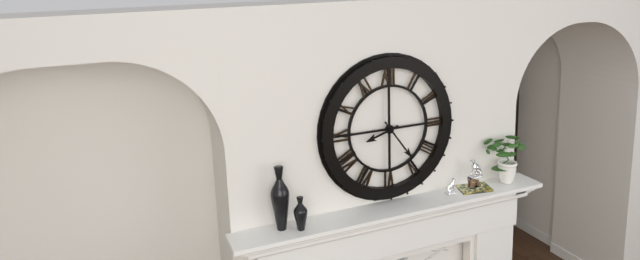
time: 8:24
